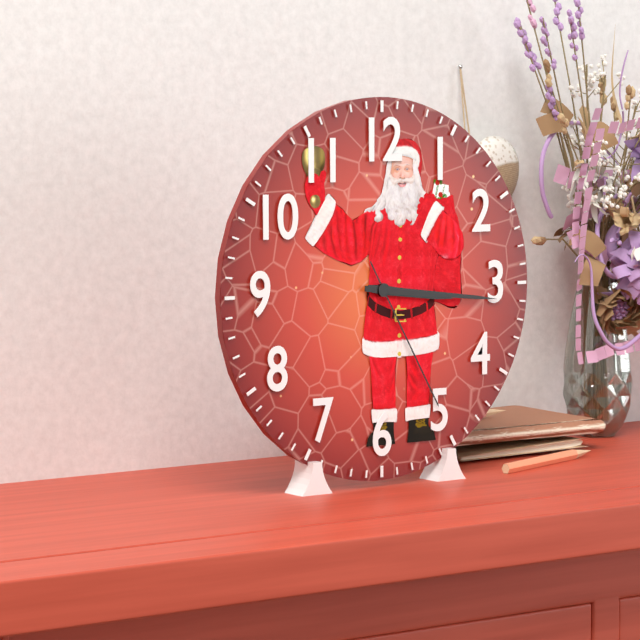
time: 3:16:25
